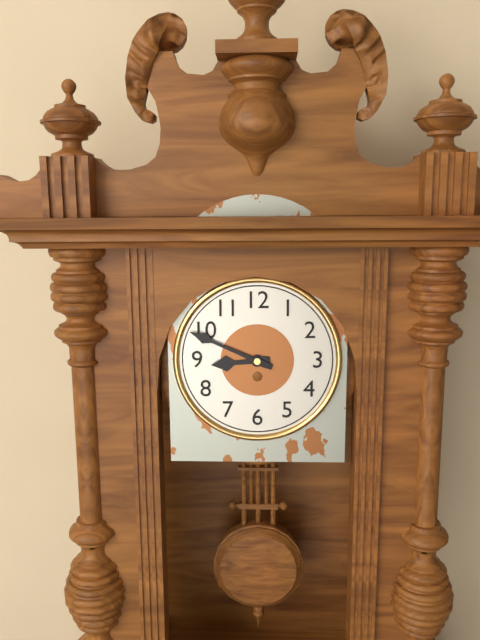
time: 8:49
